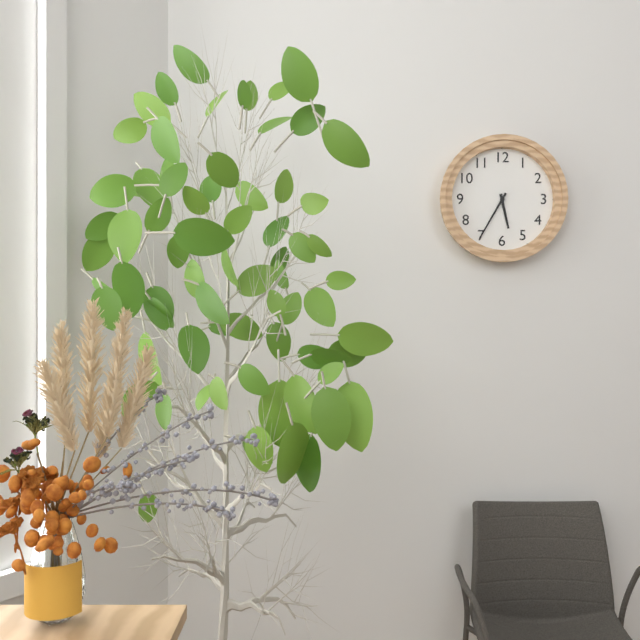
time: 5:35
